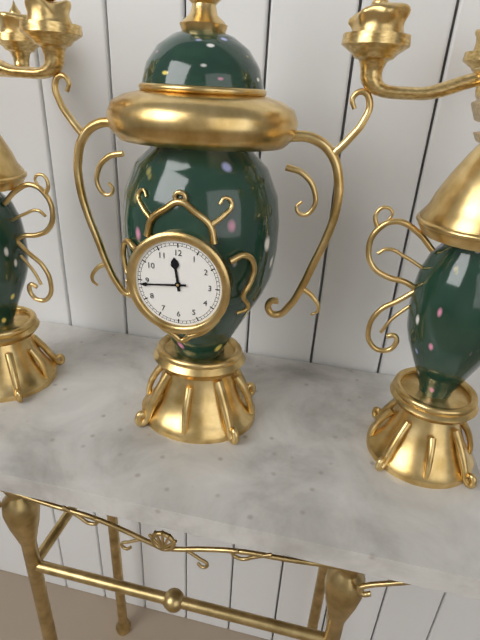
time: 11:44
